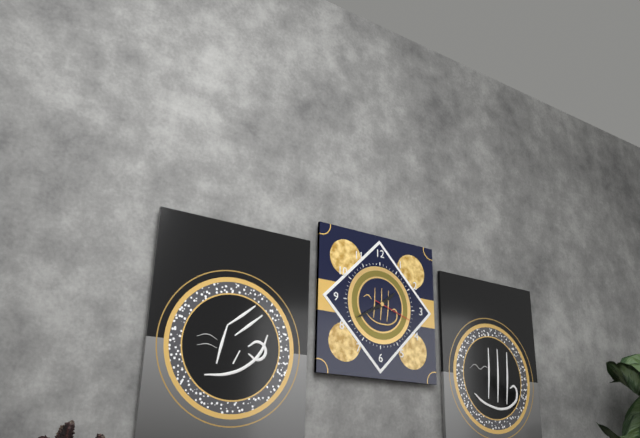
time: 1:40
